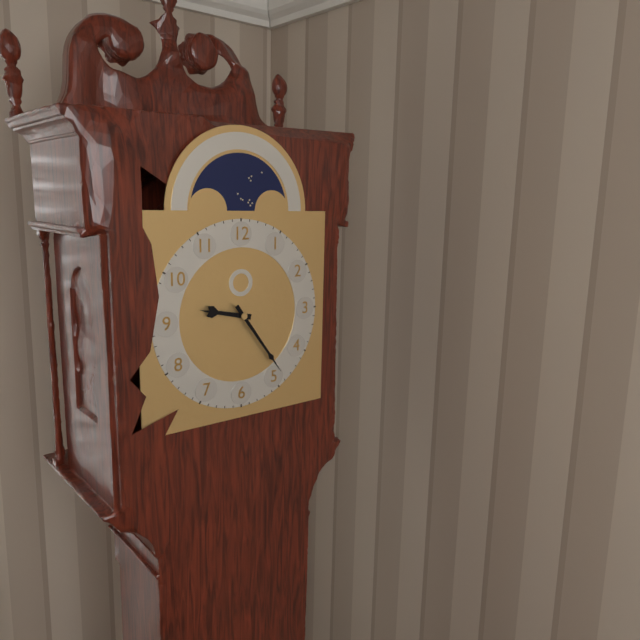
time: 9:24
